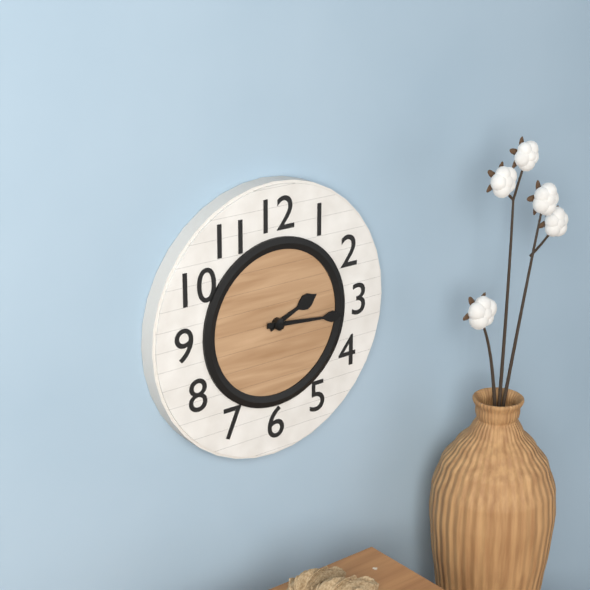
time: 2:16
